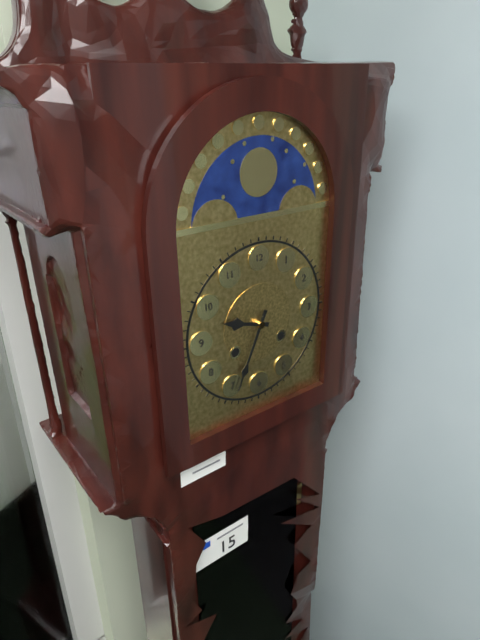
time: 9:34
